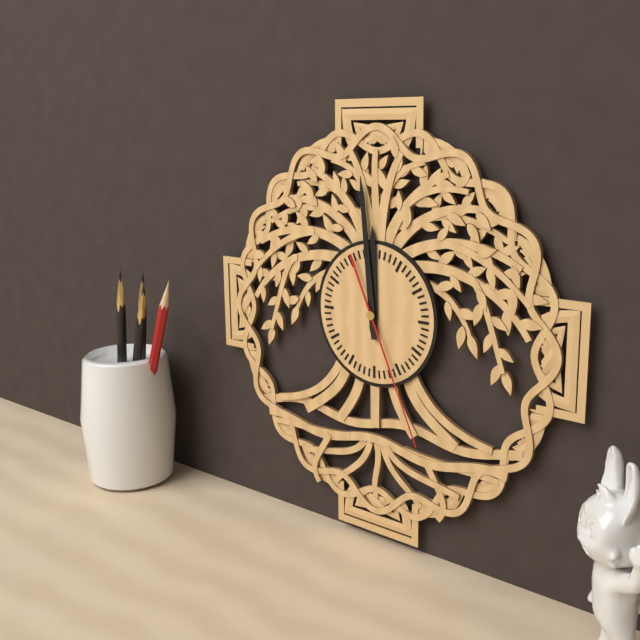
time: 11:59:26
